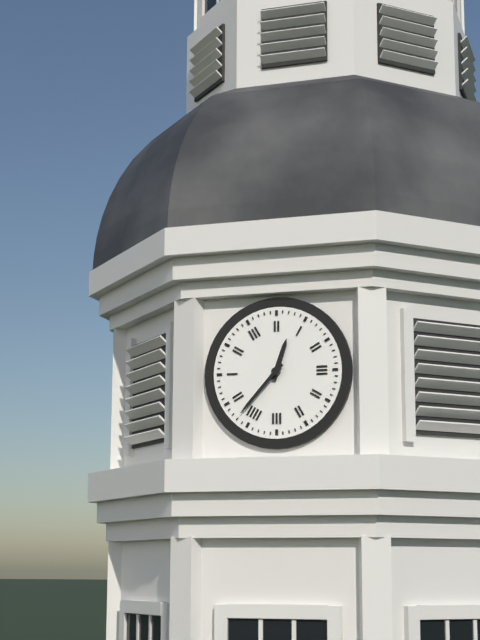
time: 12:37
